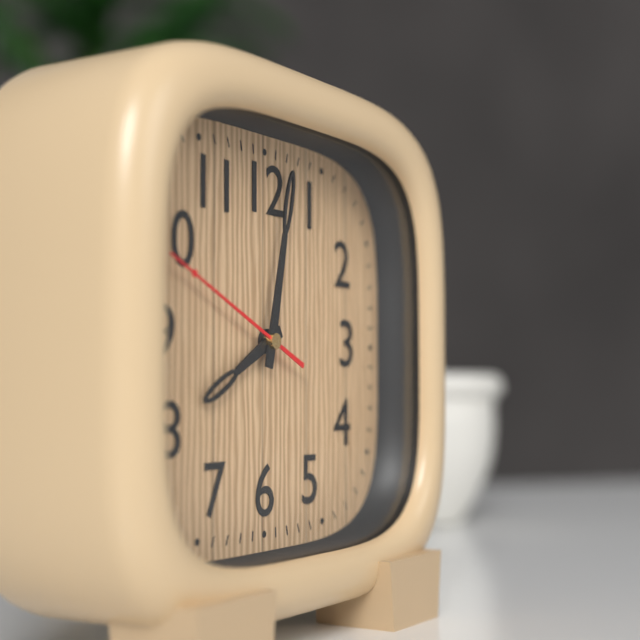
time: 8:02:49
